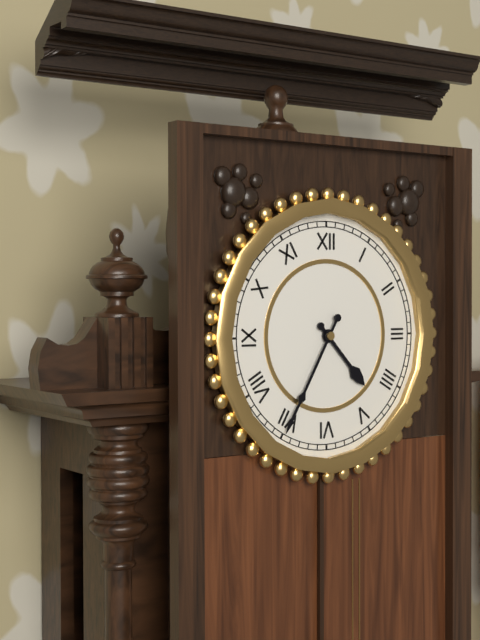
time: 4:35
